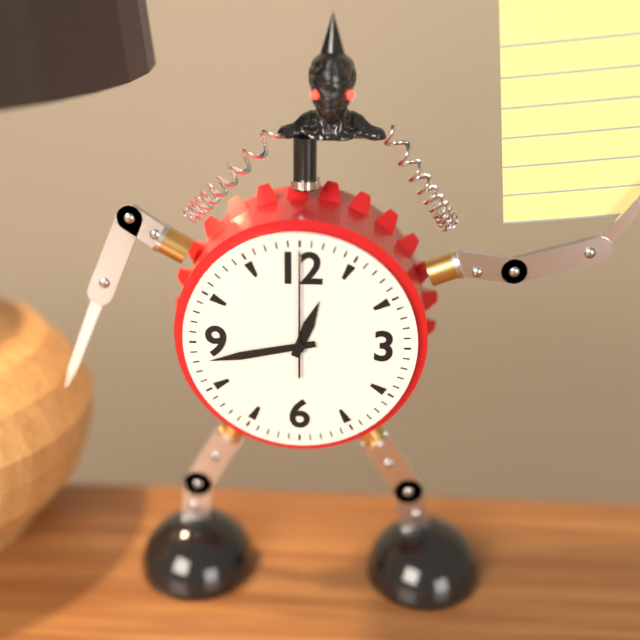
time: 12:43:00
